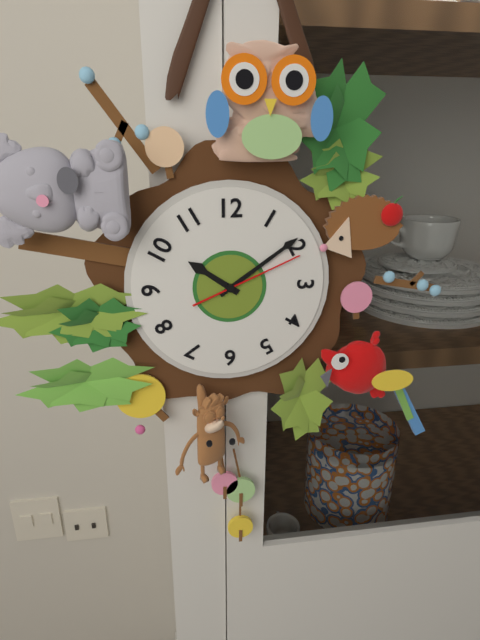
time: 10:09:11
